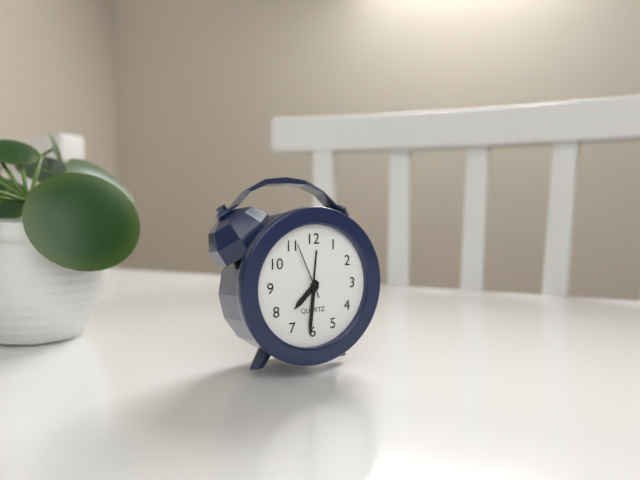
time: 7:31:56
